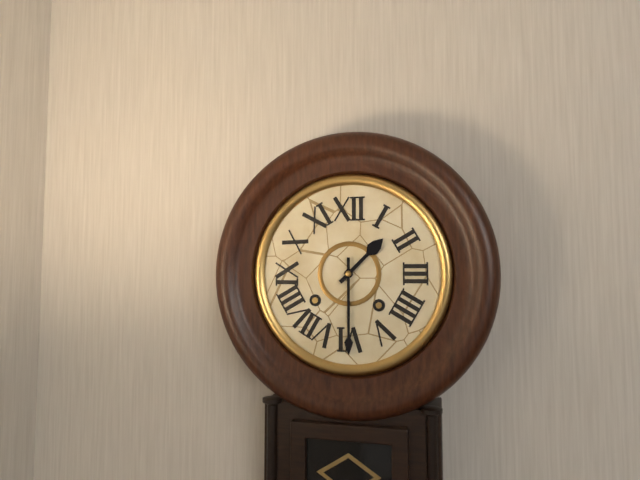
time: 1:30
